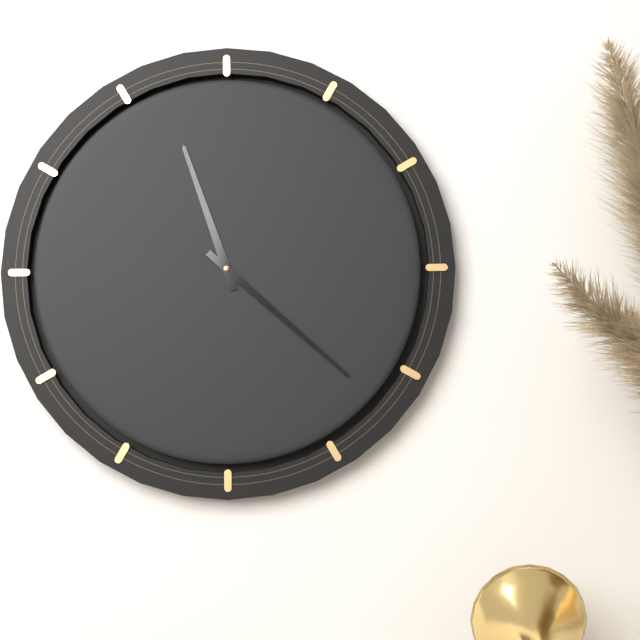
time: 11:22
